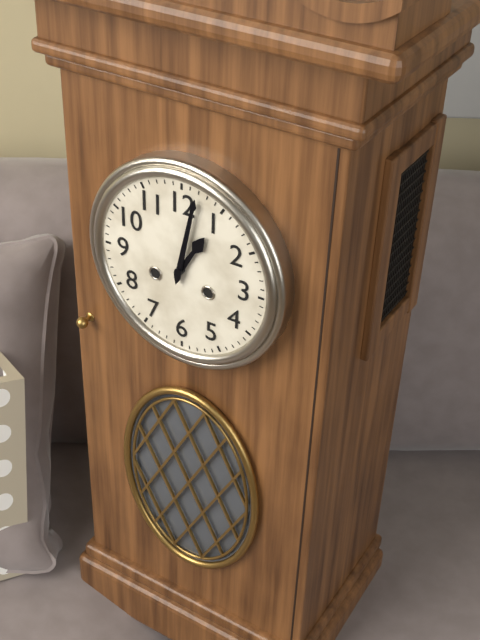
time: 1:02
